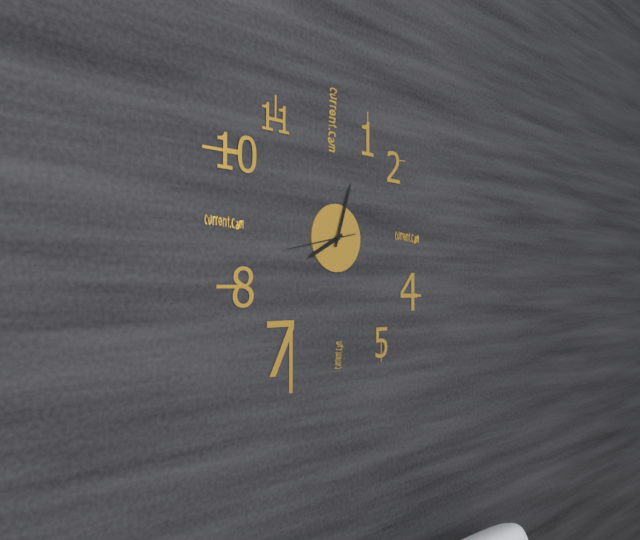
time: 8:03:43
